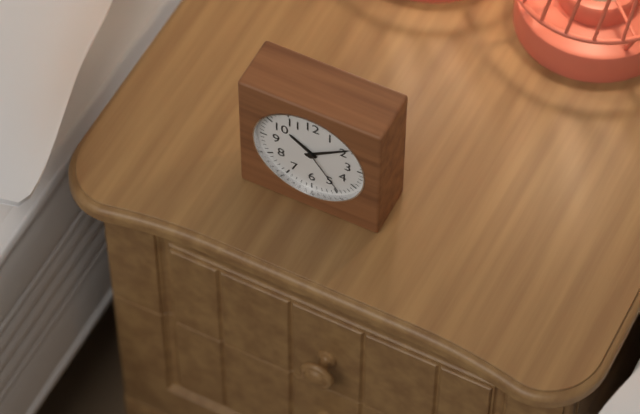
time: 10:09:24
